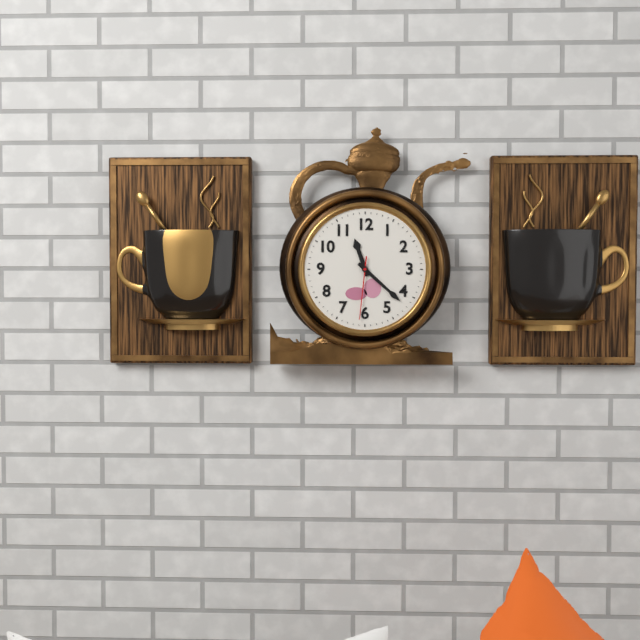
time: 11:22:31
